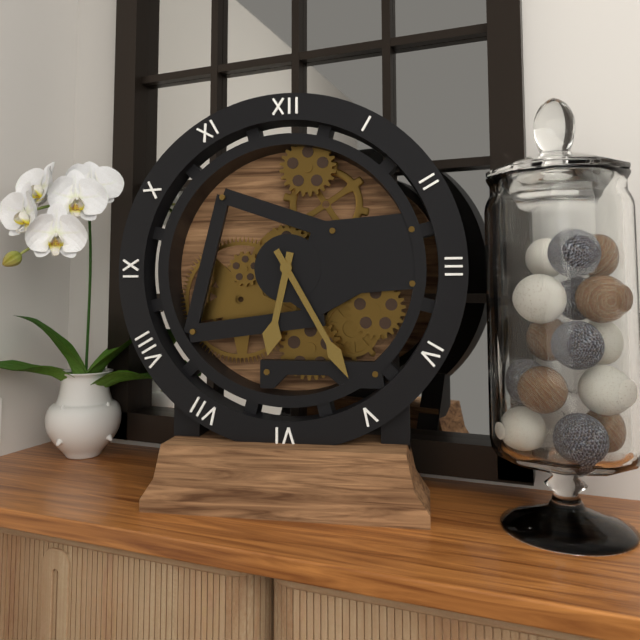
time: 6:25
